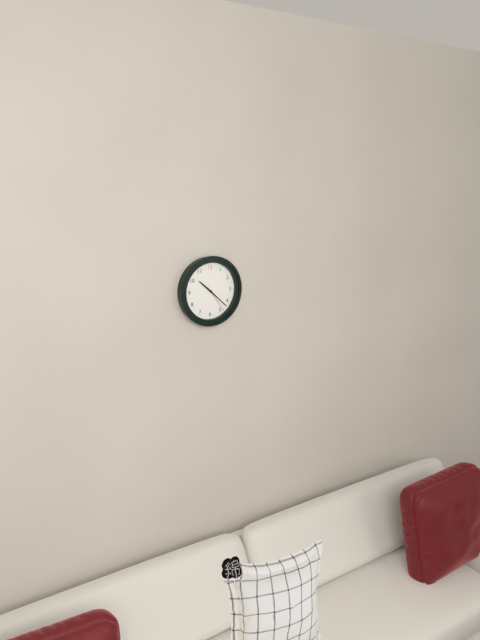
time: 10:22
